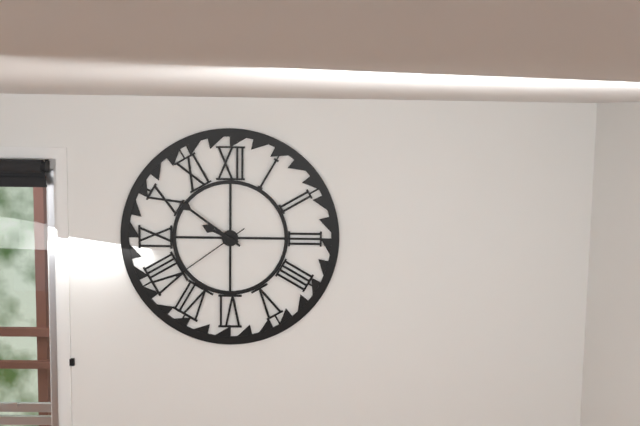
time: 9:51:39
